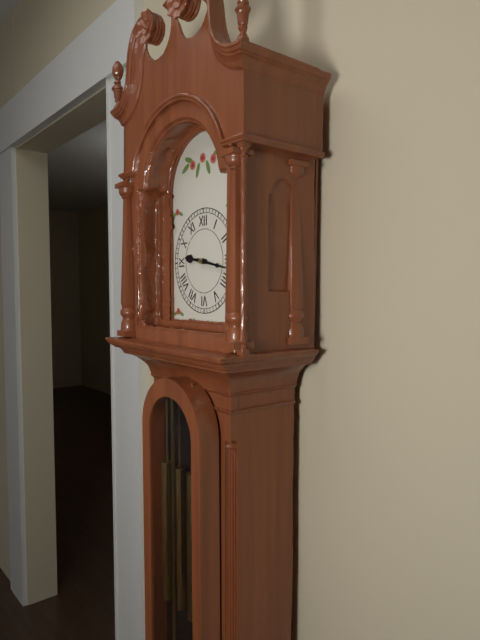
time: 9:17
